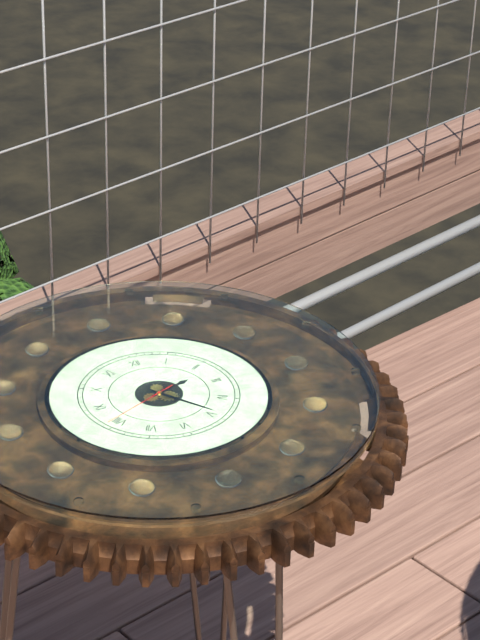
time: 2:24:41
